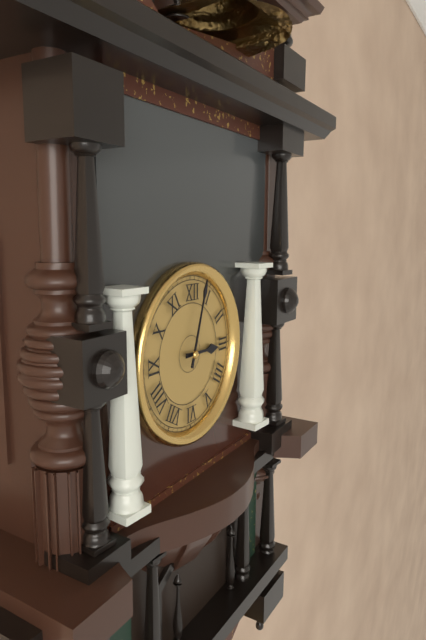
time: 3:03
